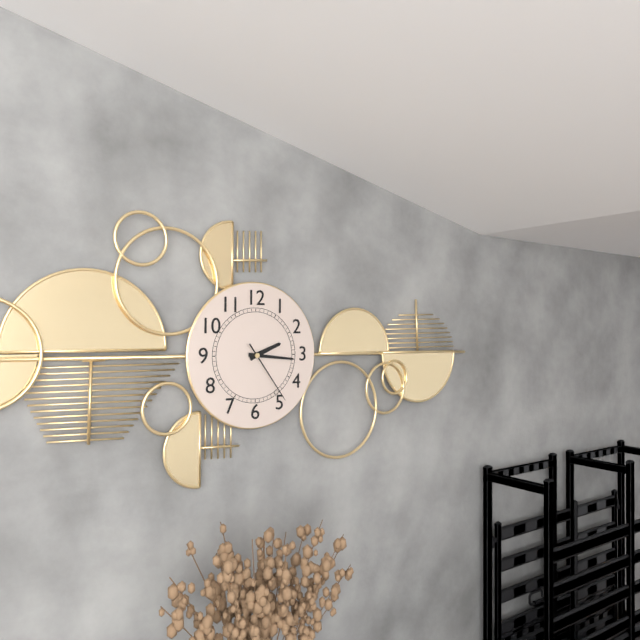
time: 2:16:24
